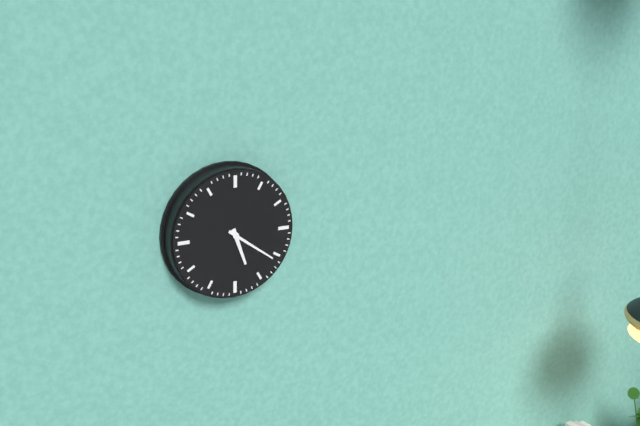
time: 5:21
